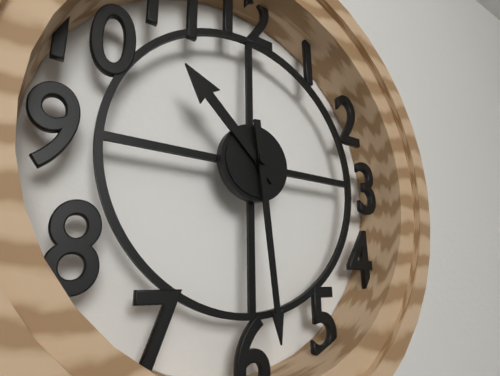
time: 10:29
